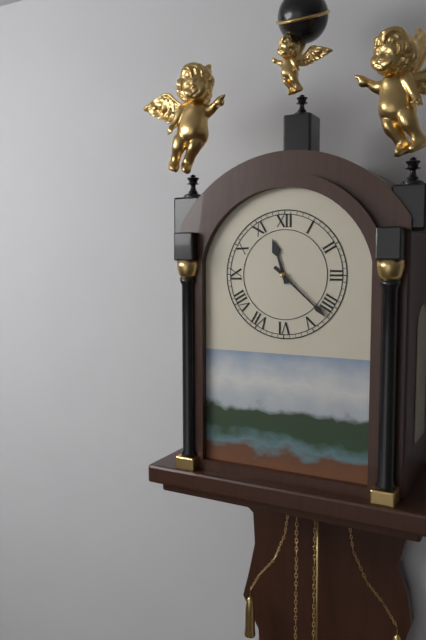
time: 11:22
